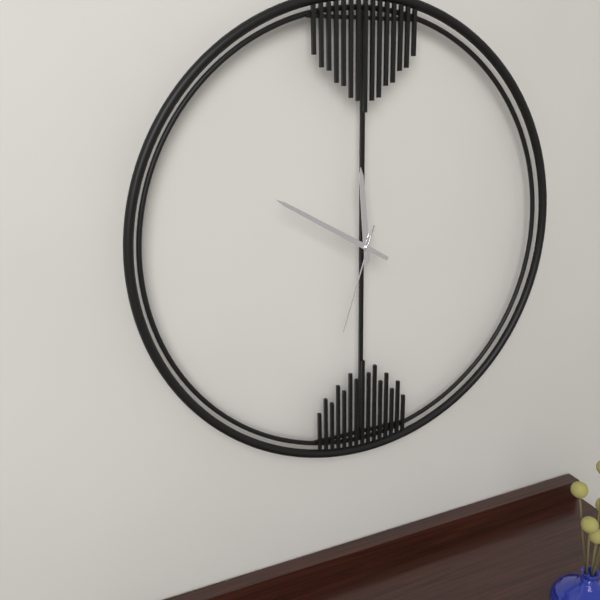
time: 11:50:33
